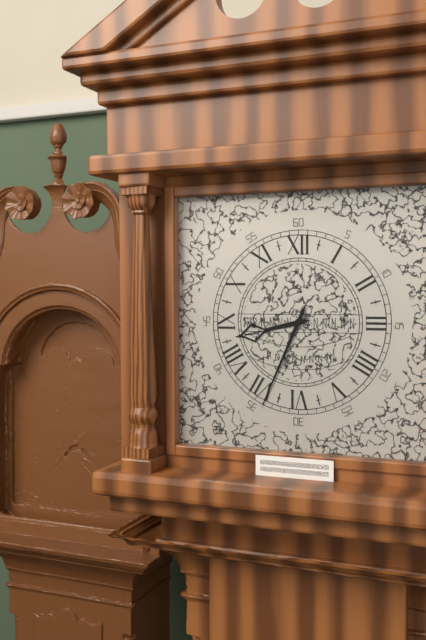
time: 8:34
